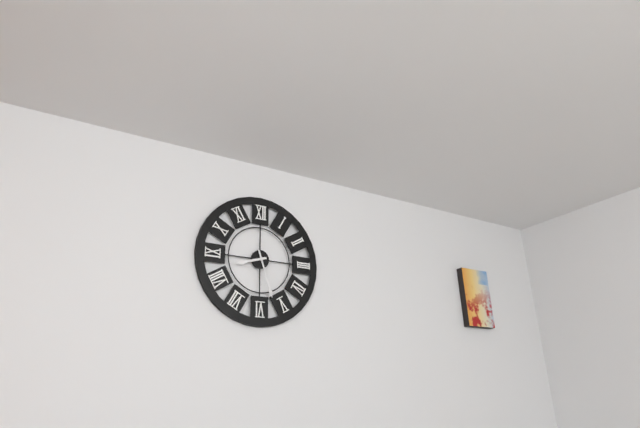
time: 8:27
